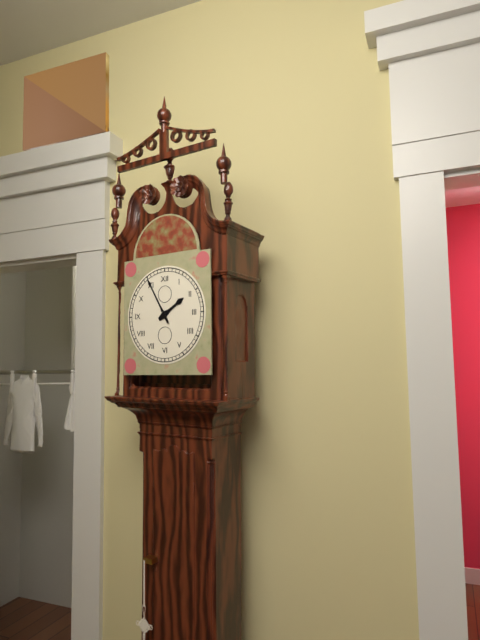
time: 1:55
